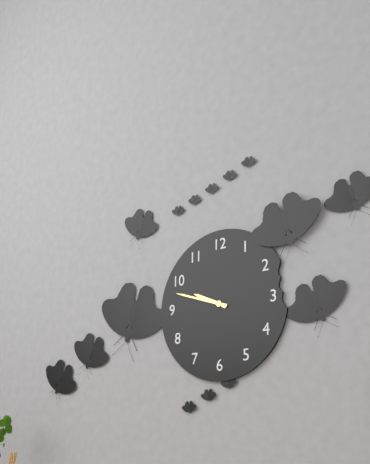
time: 9:48
